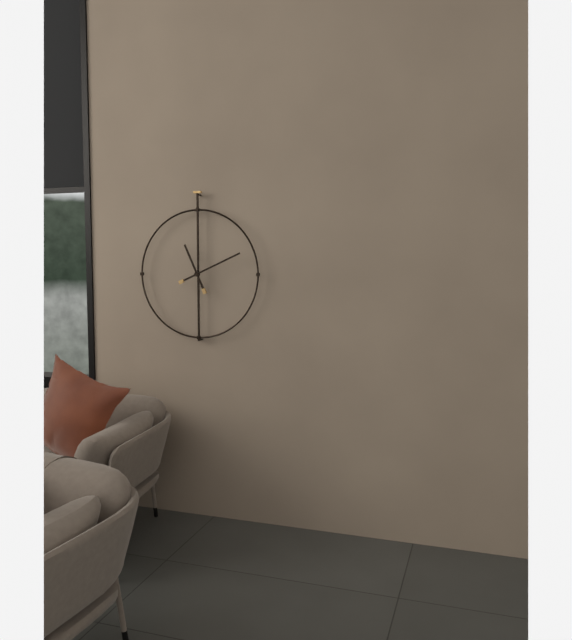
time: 11:11
